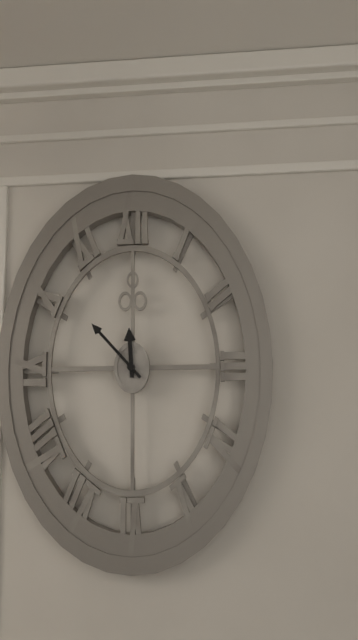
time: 11:53
